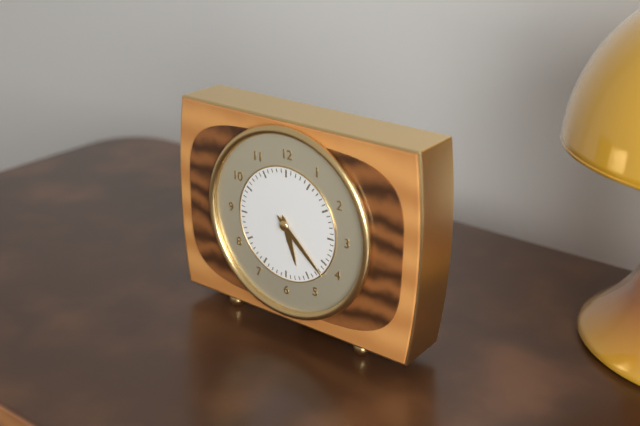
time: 5:22
